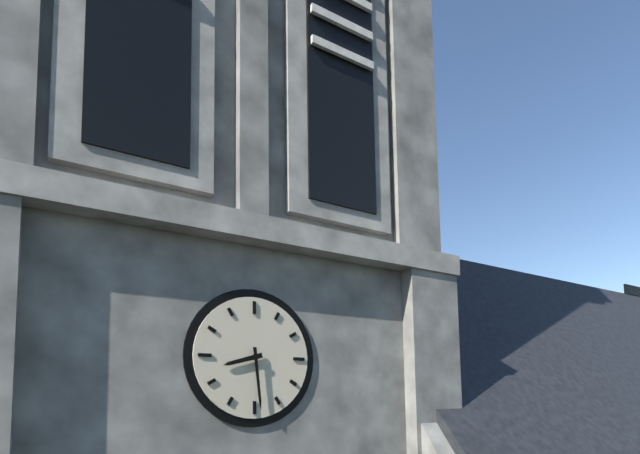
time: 8:29
